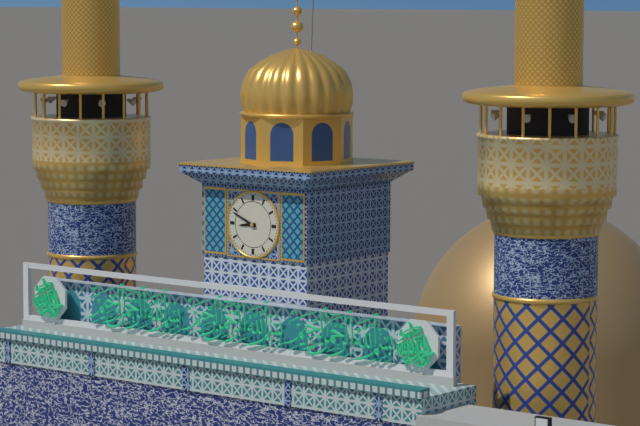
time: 8:49
